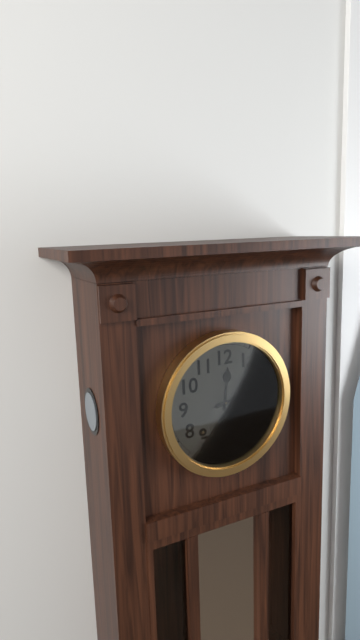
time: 12:13
